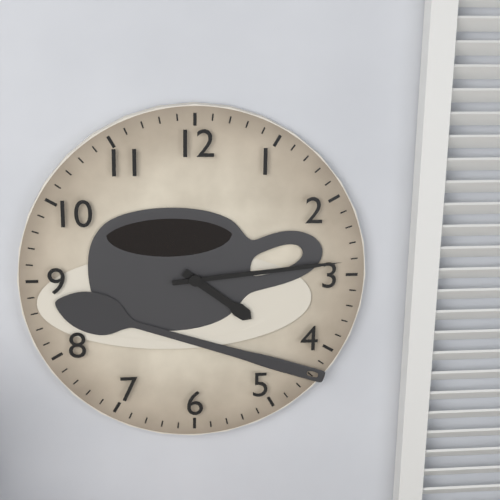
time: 4:14
